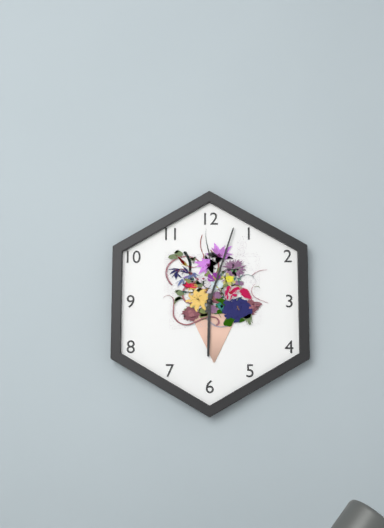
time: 6:03
